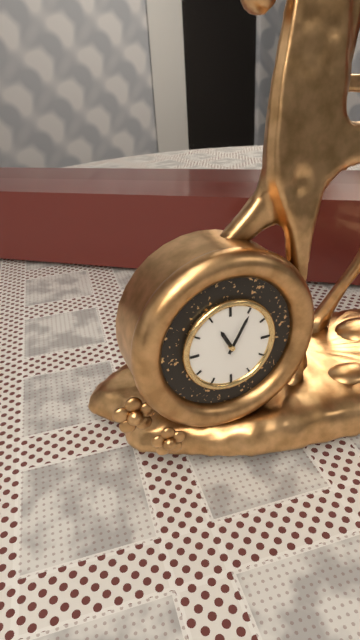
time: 11:05
